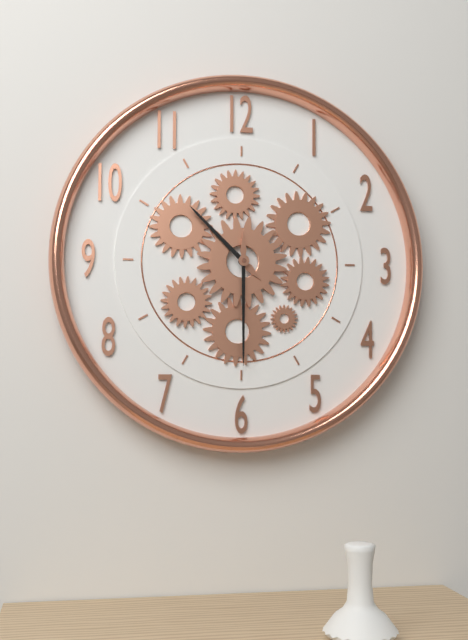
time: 10:30
